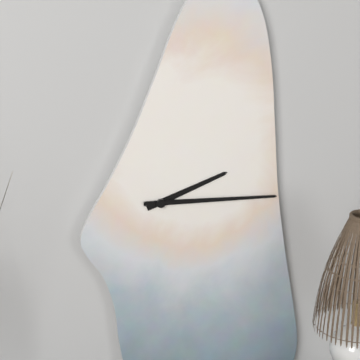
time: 2:15
